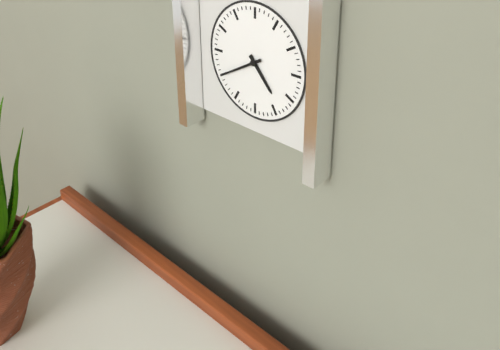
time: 4:40
